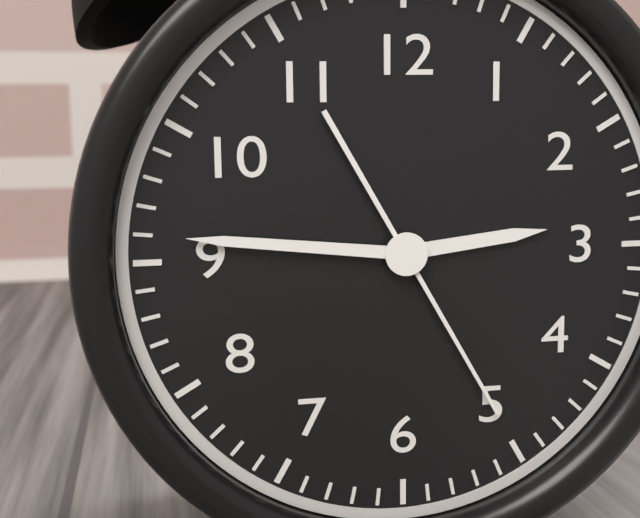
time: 2:46:25
